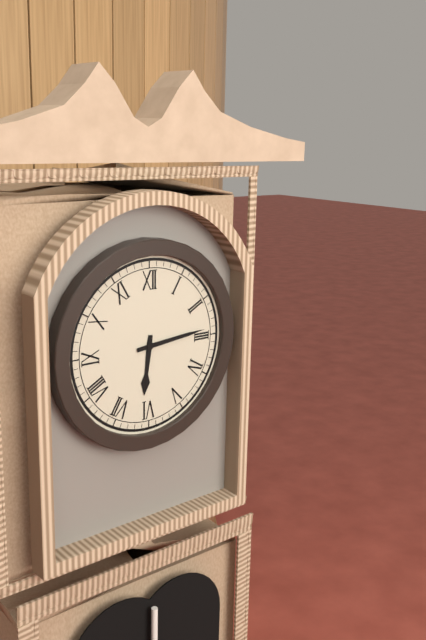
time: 6:14
